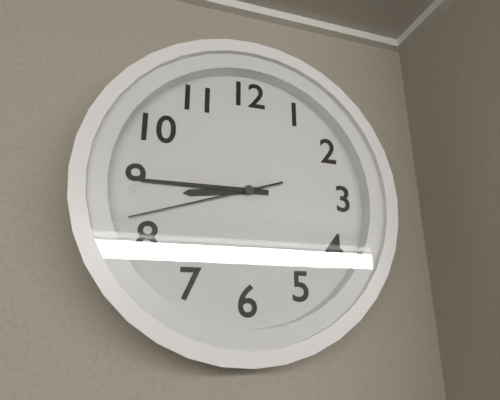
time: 8:45:42
